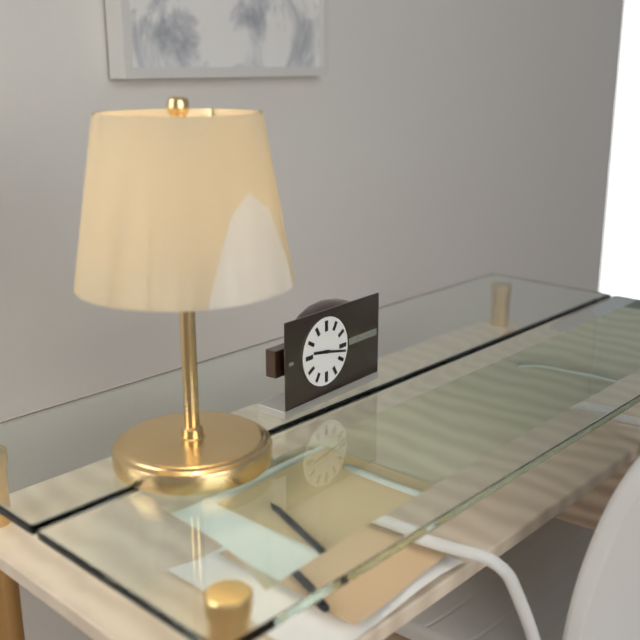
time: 9:17
